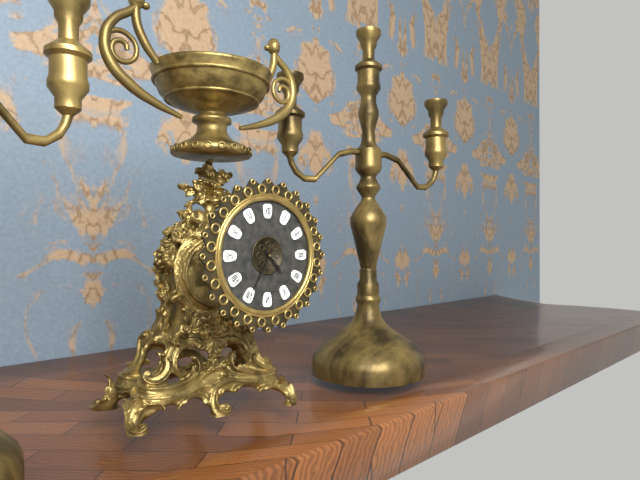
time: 4:35
